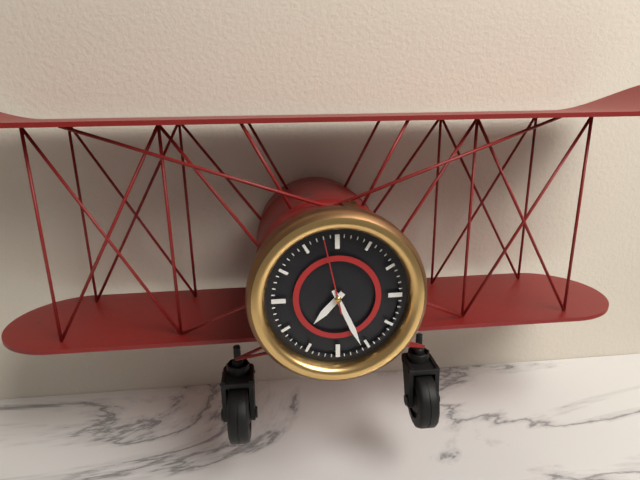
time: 7:26:58
